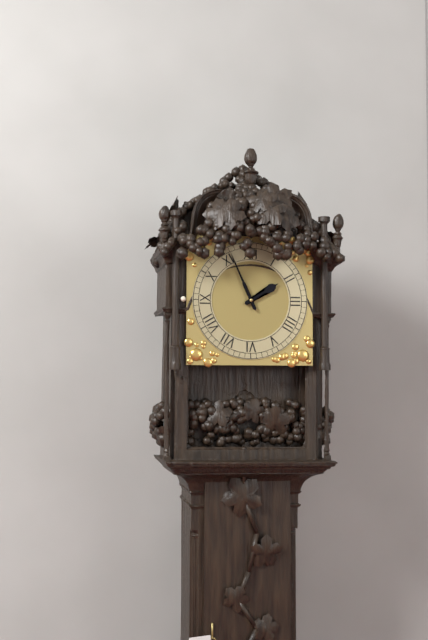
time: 1:56
